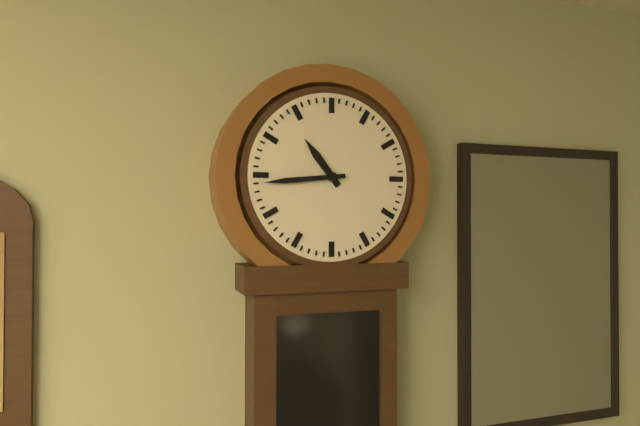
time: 10:44
